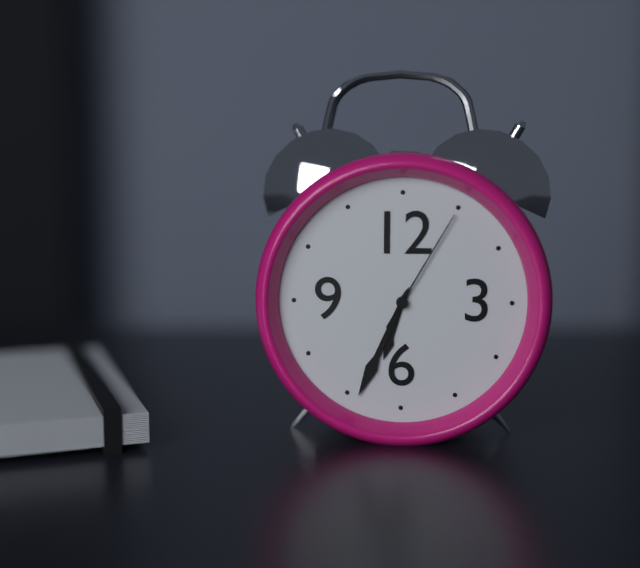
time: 6:34:05
